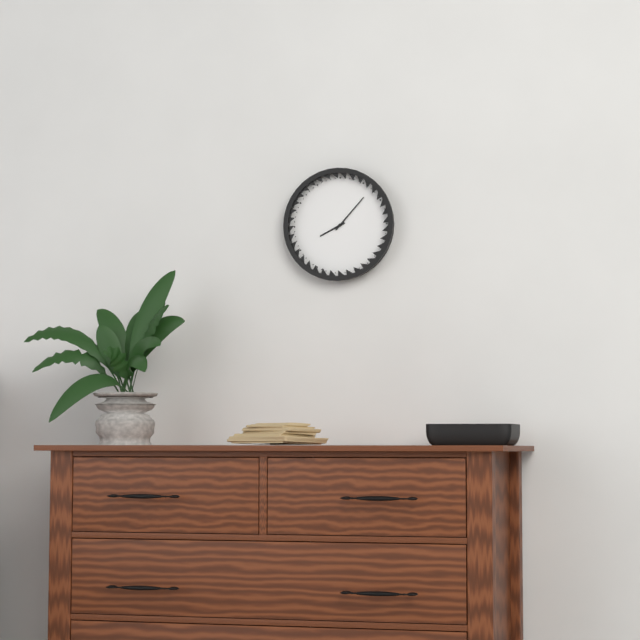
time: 8:07
